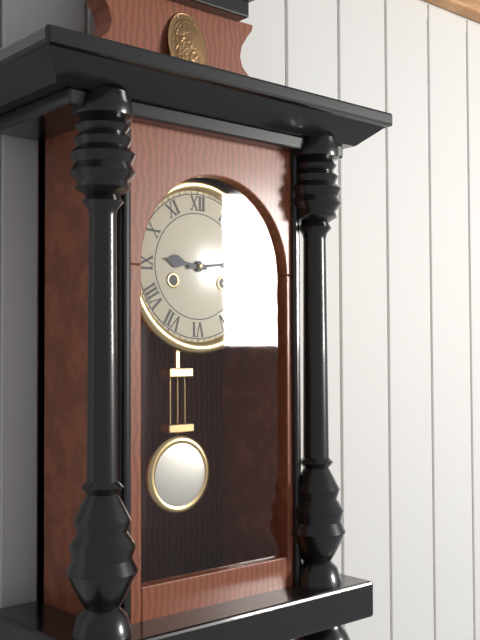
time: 9:14
